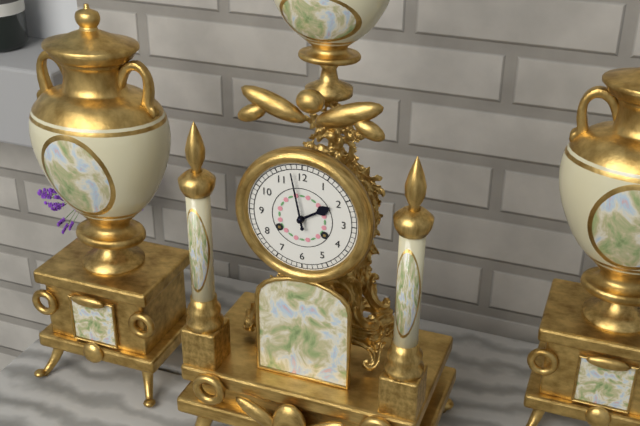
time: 1:58
